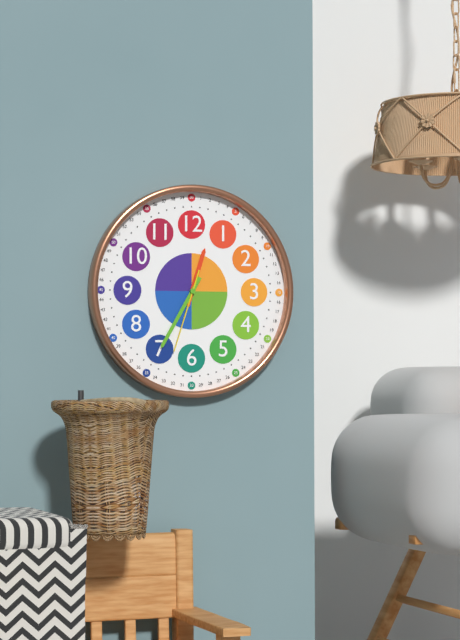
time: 12:35:33
